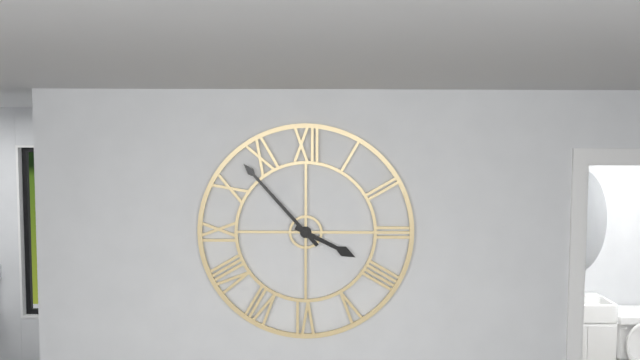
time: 3:53
